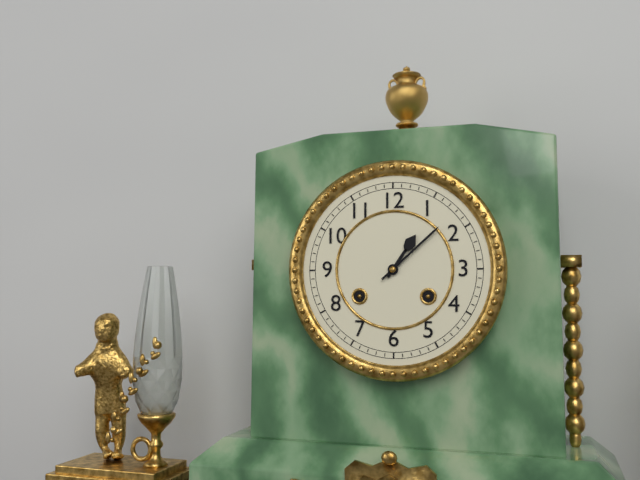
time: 1:08
